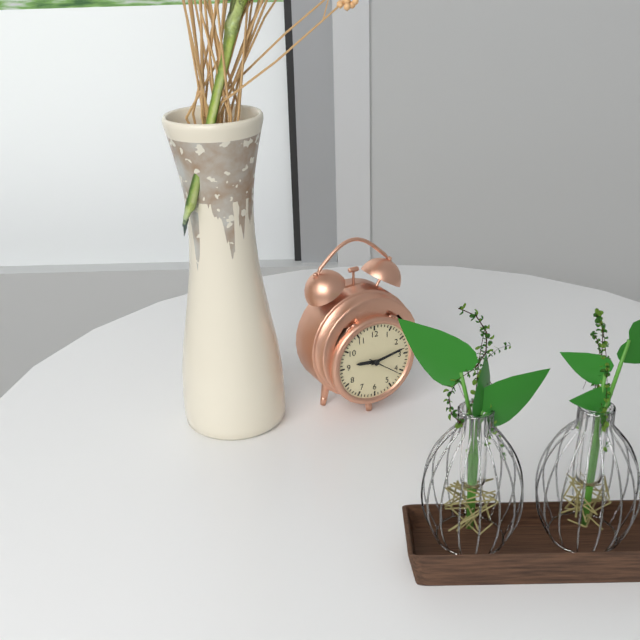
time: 9:13
